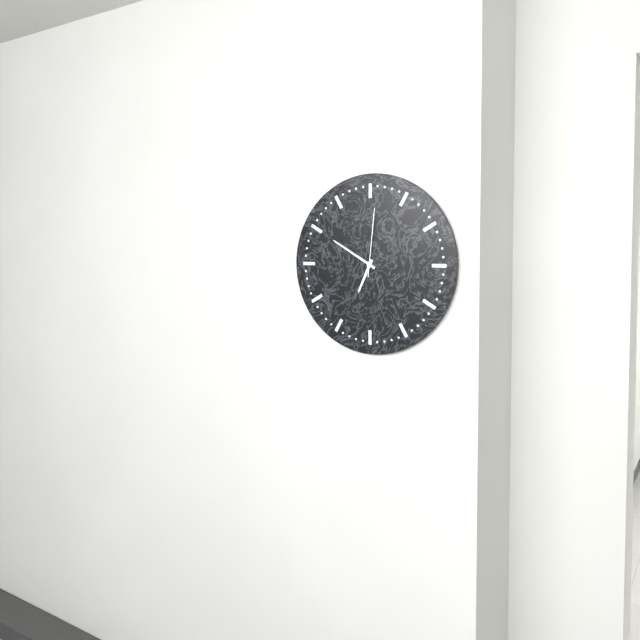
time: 6:50:01
